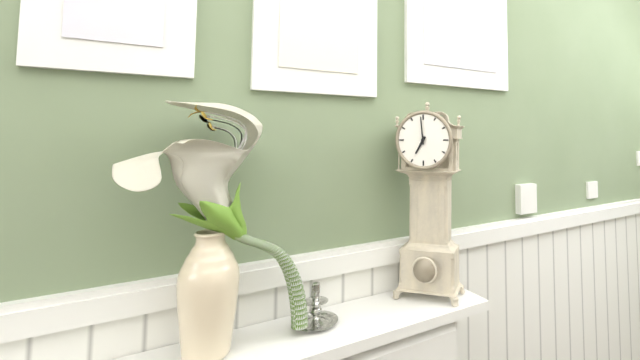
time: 6:59
